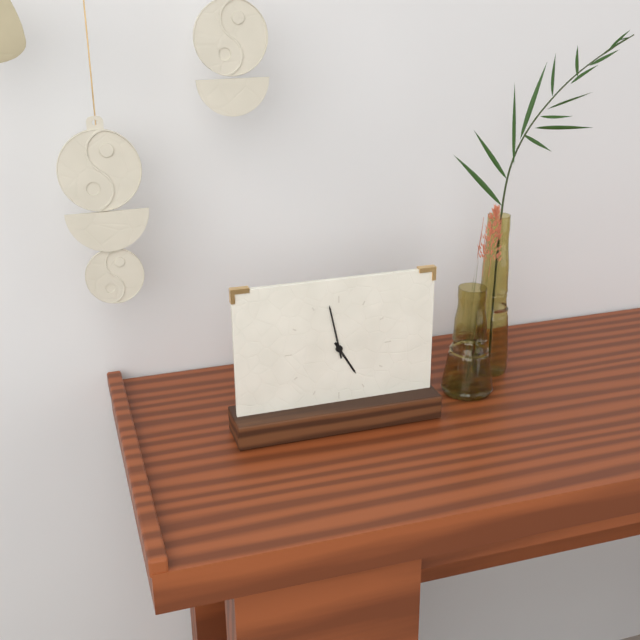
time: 4:58
